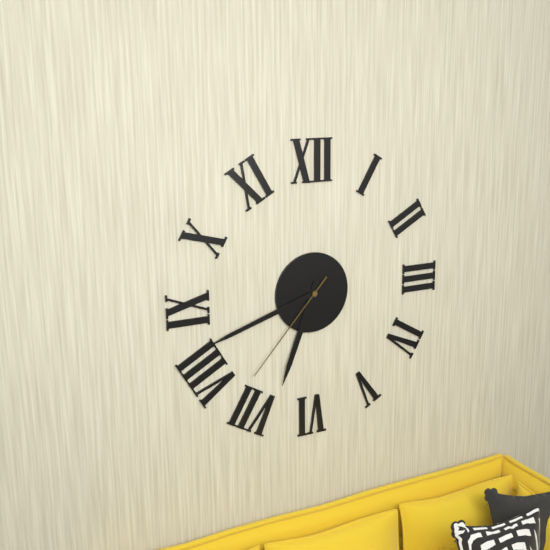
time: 6:42:37
